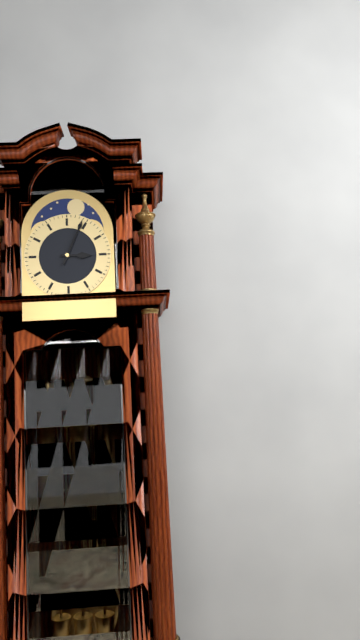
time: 3:04
